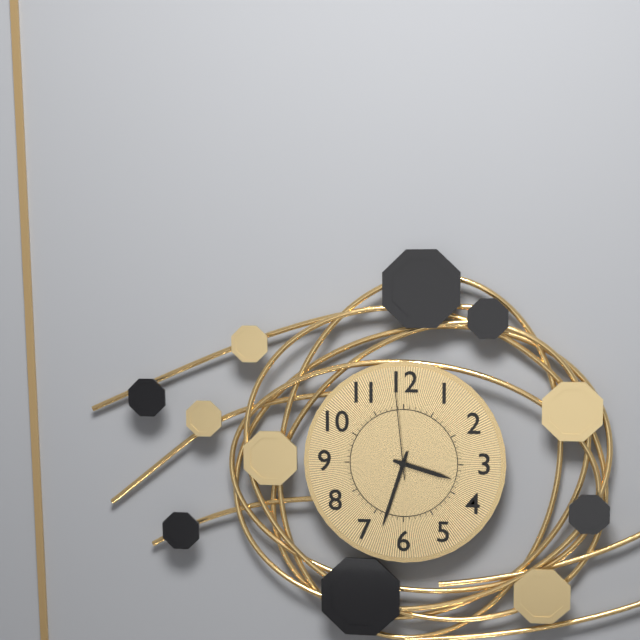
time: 3:33:59
